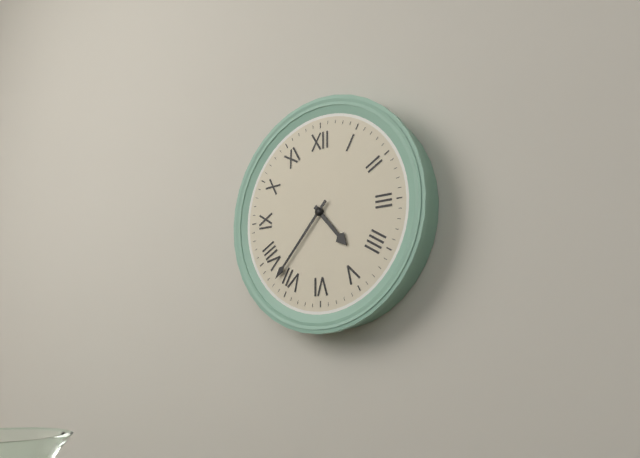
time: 4:37
